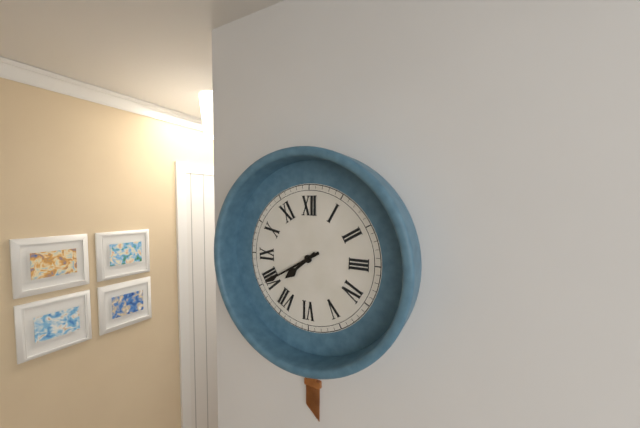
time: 7:40
